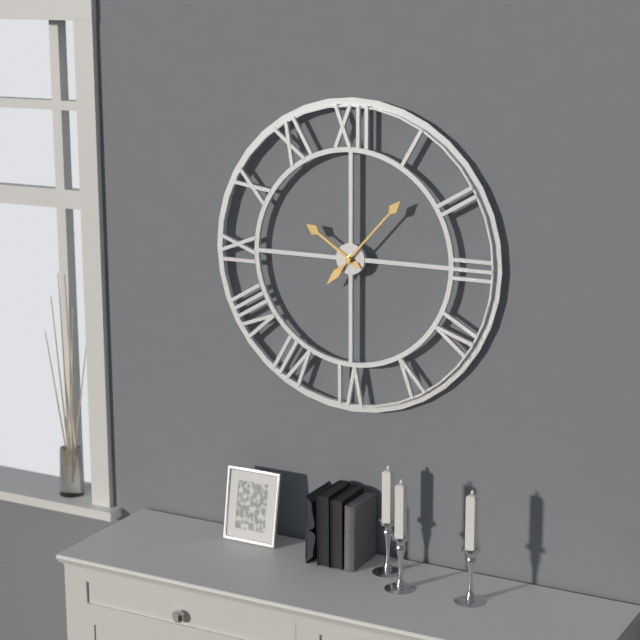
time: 10:07
